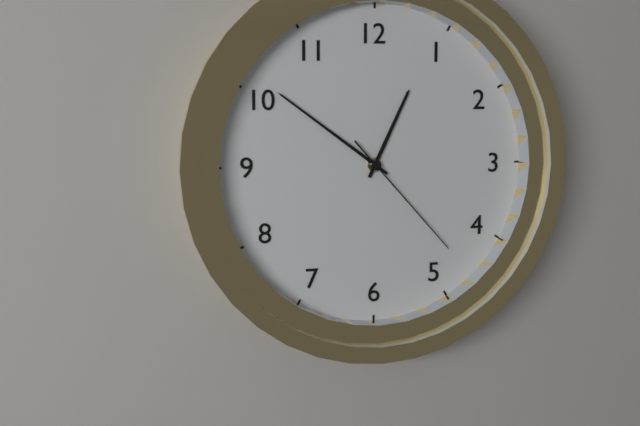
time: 12:51:23
